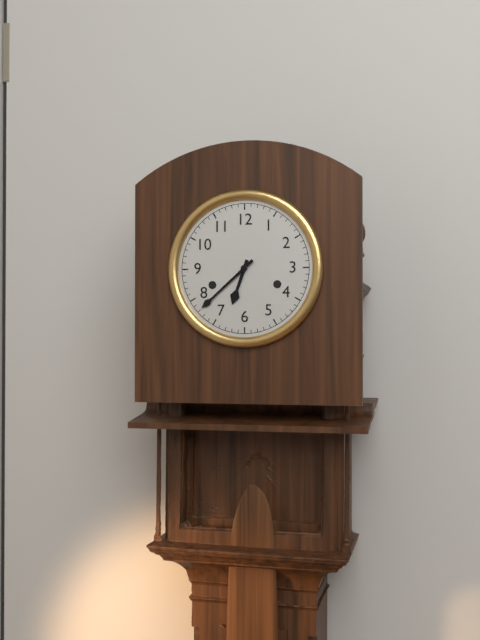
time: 6:38
